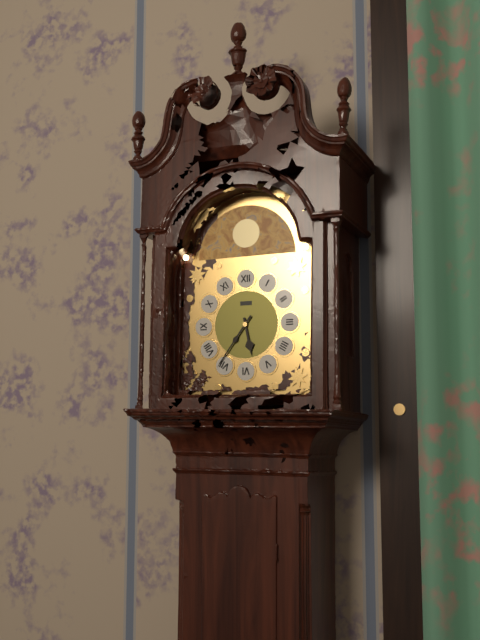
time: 5:36
